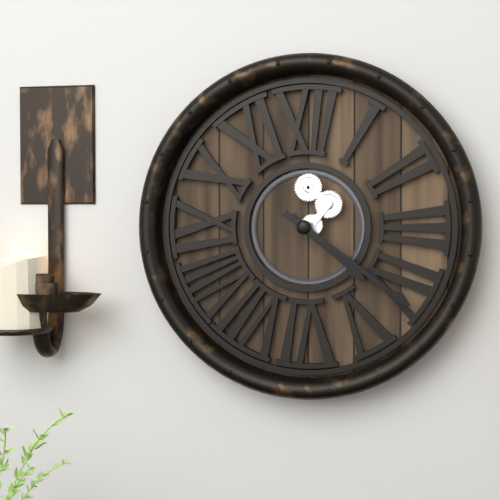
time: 4:21
